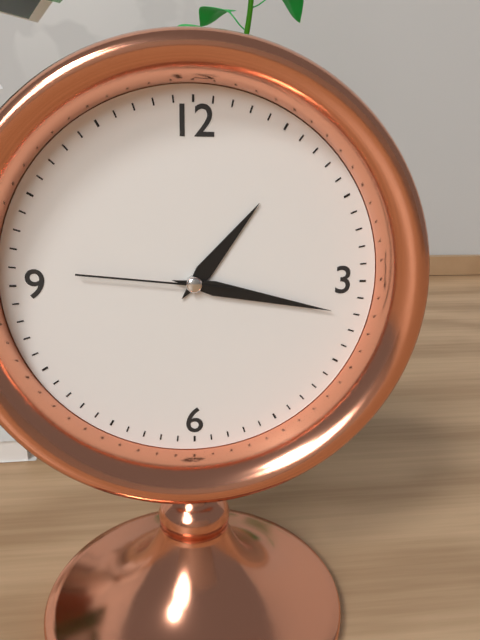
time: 1:17:46
